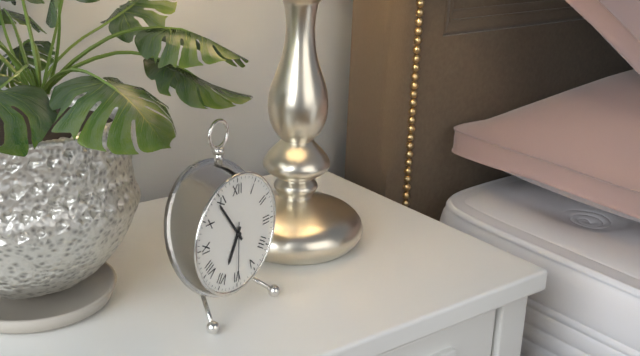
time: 6:54:30
